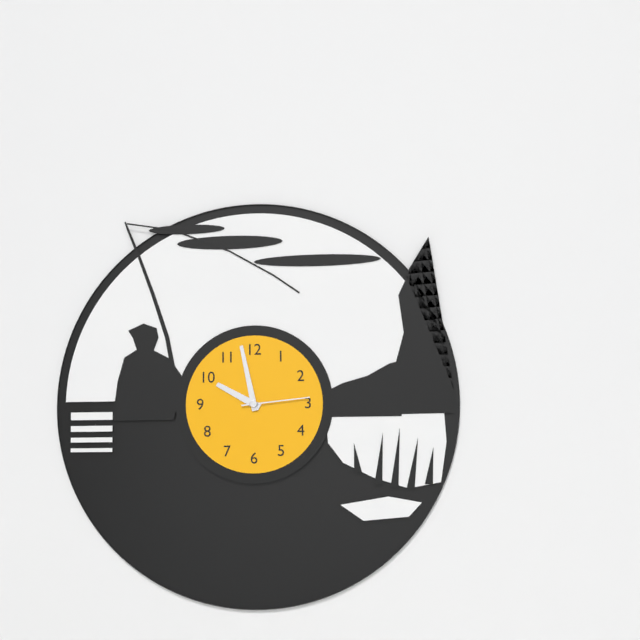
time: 9:58:14
